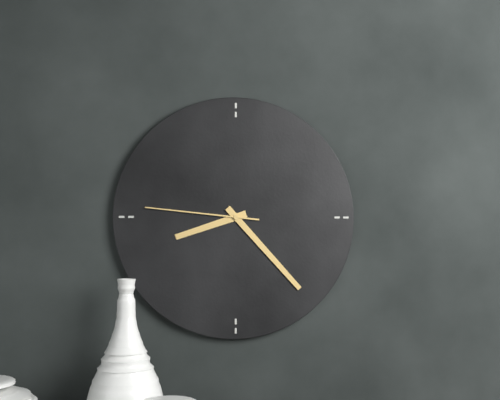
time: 8:23:46
